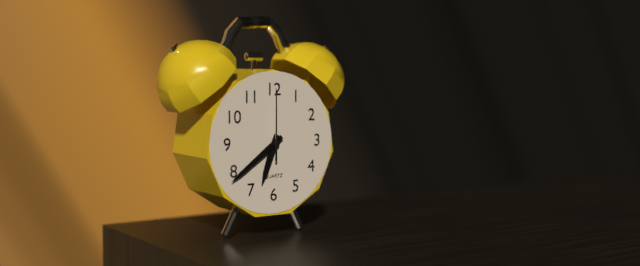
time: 6:39:00
